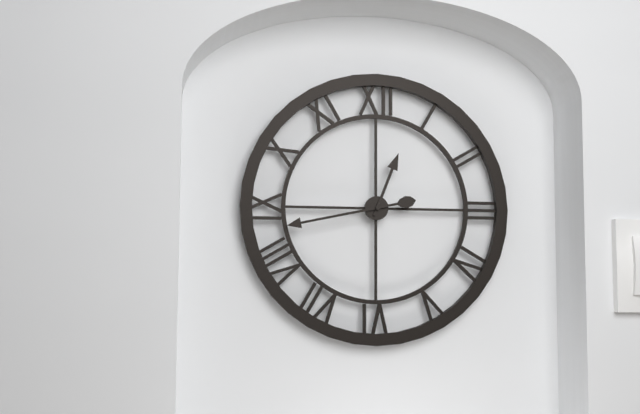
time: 12:43
